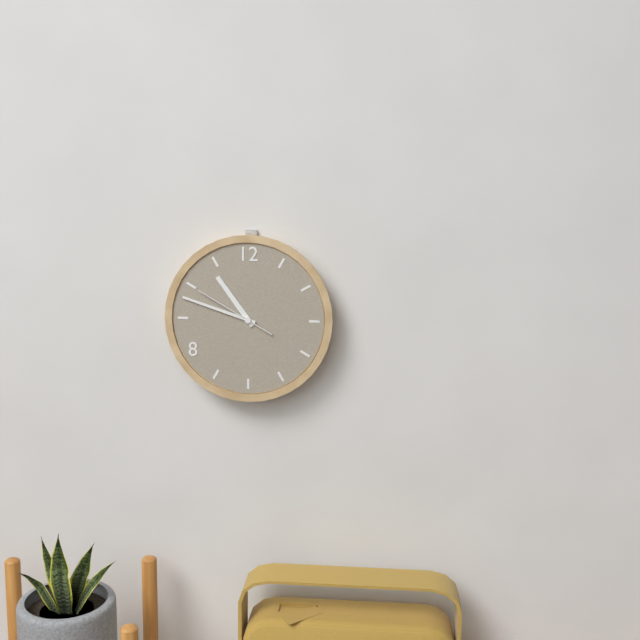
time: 10:48:50
